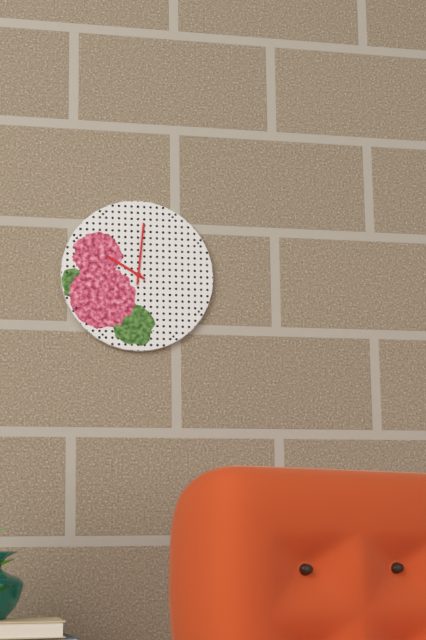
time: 10:01
